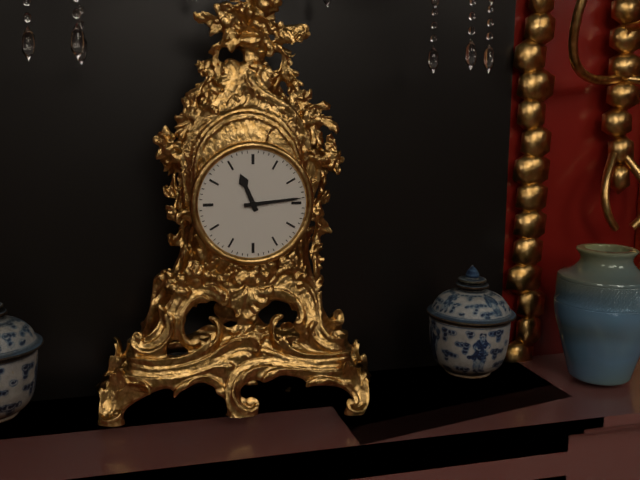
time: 11:14
